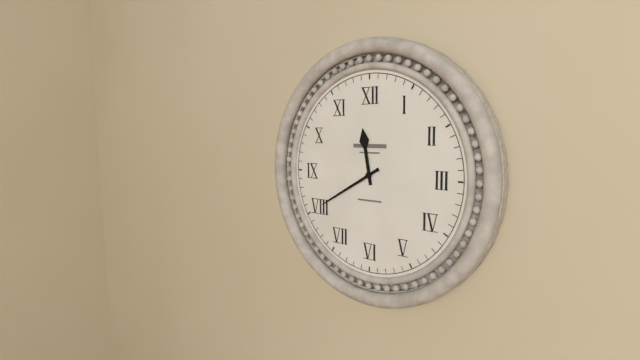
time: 11:40
